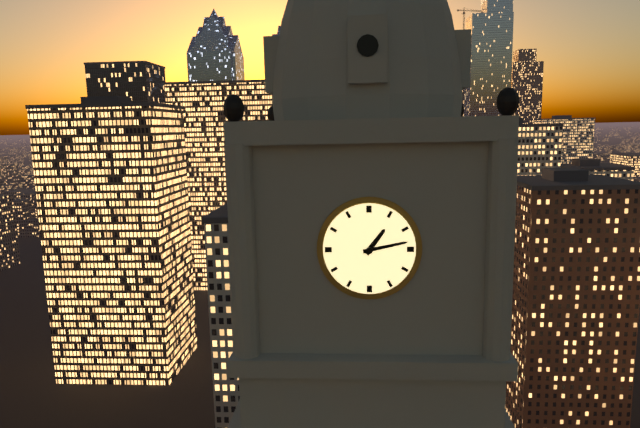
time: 1:13
